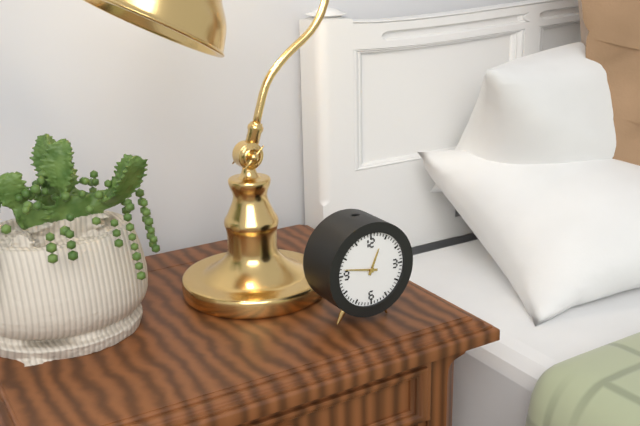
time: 12:47
